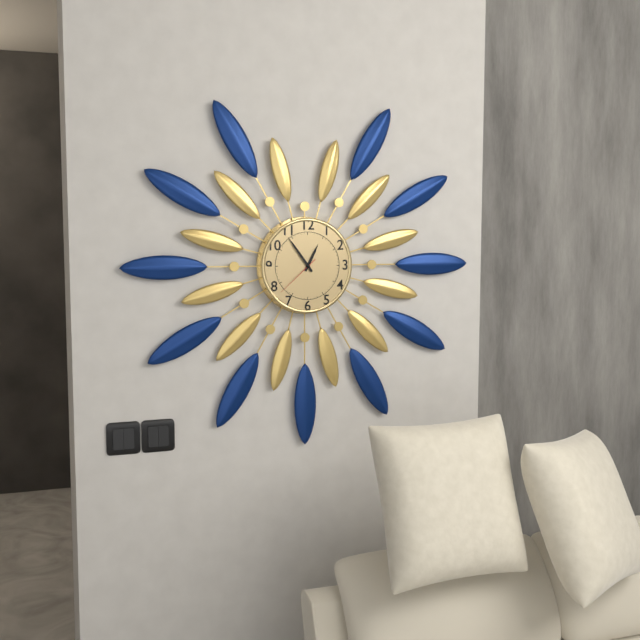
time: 12:54
